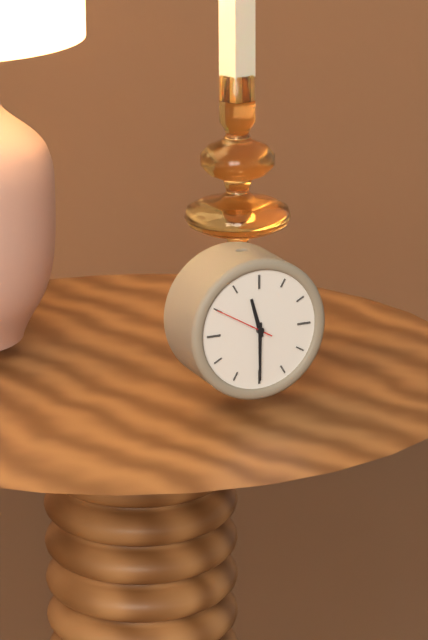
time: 11:30:50
